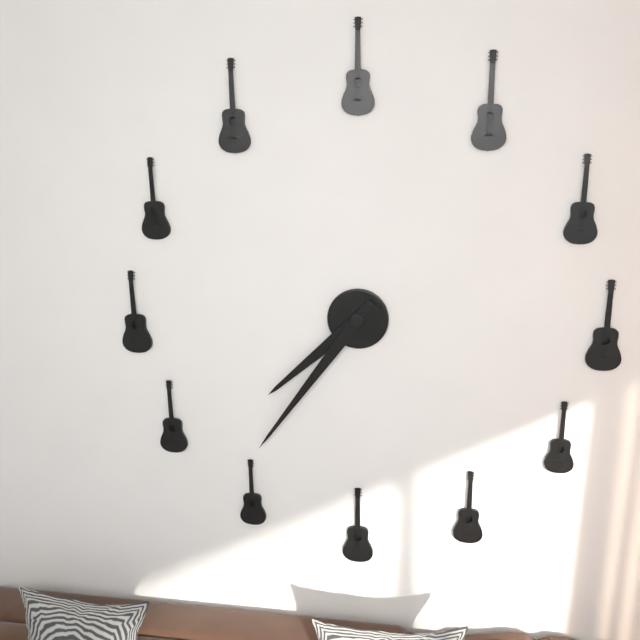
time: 7:36
